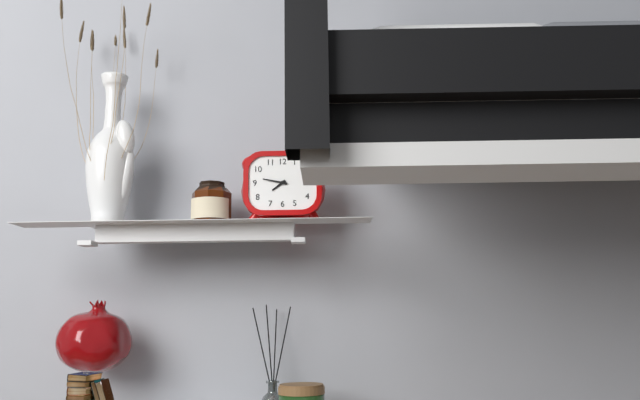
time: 7:47
